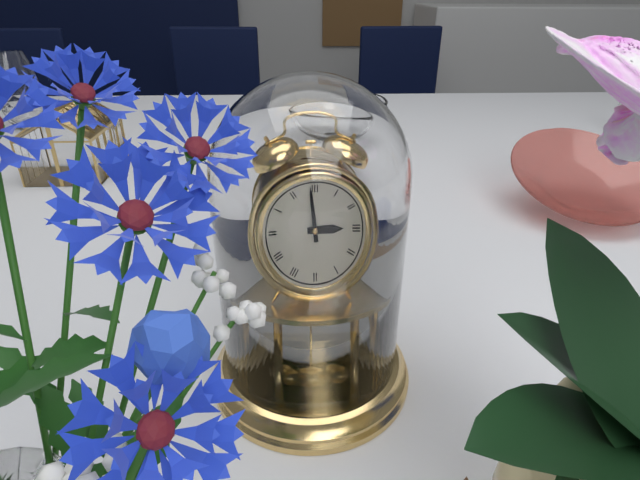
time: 2:59
